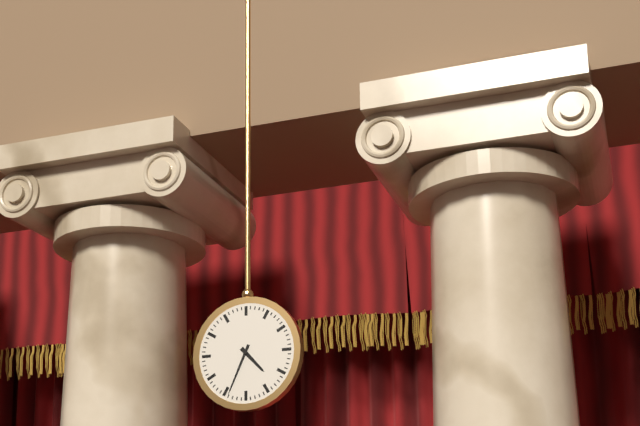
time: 4:34
